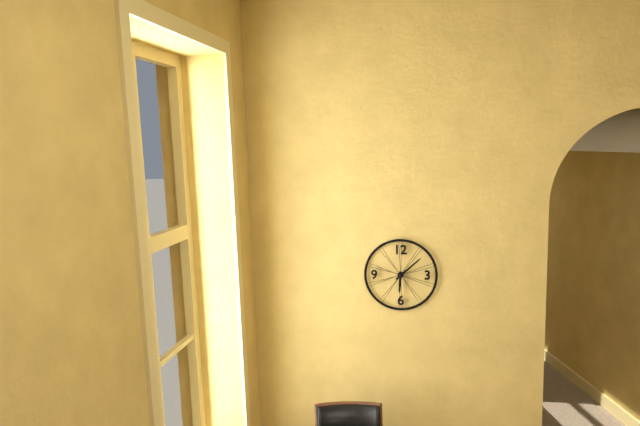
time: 6:08
